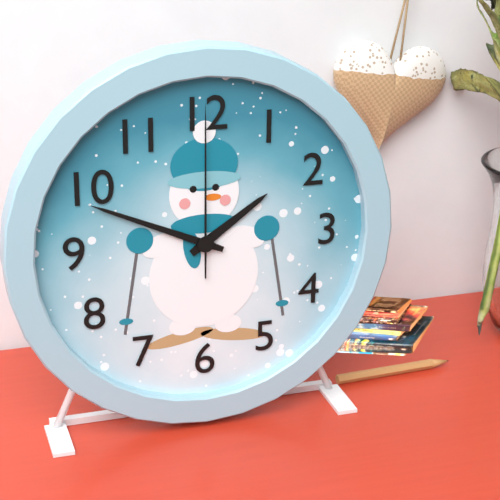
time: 1:49:00
